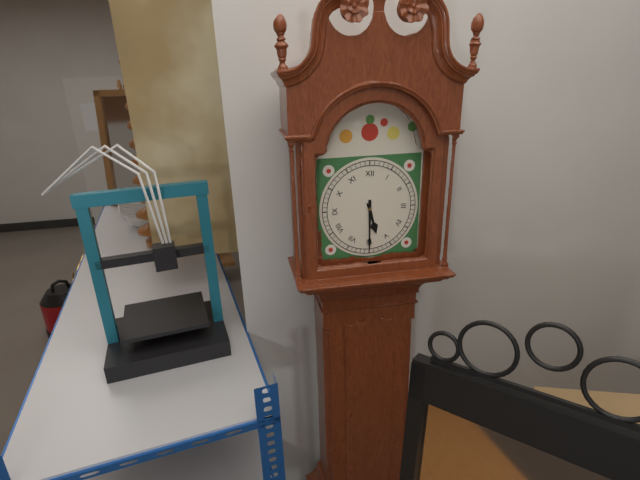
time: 5:30
